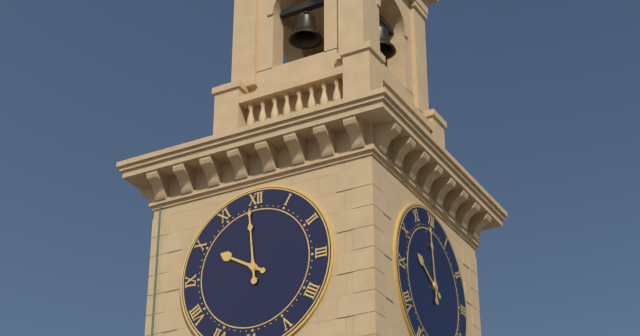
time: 9:59
